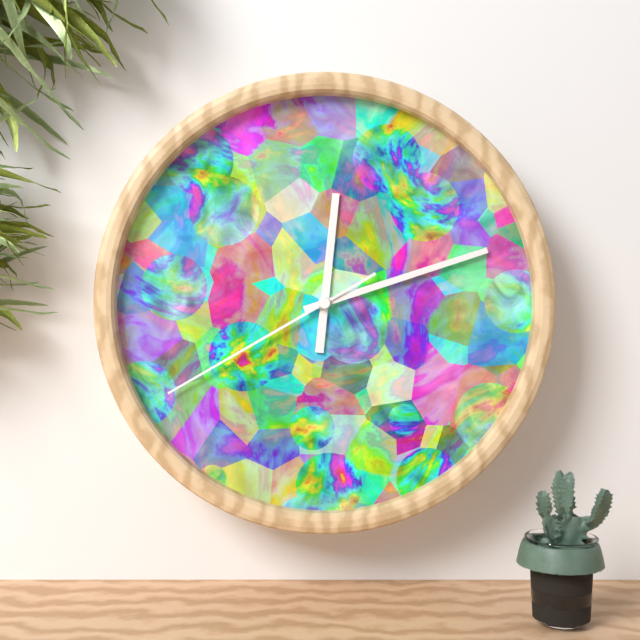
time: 12:12:40
